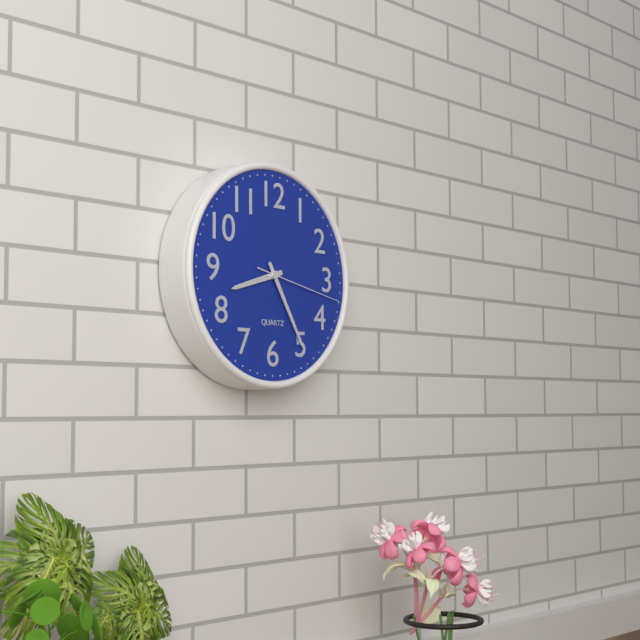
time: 8:25:17
